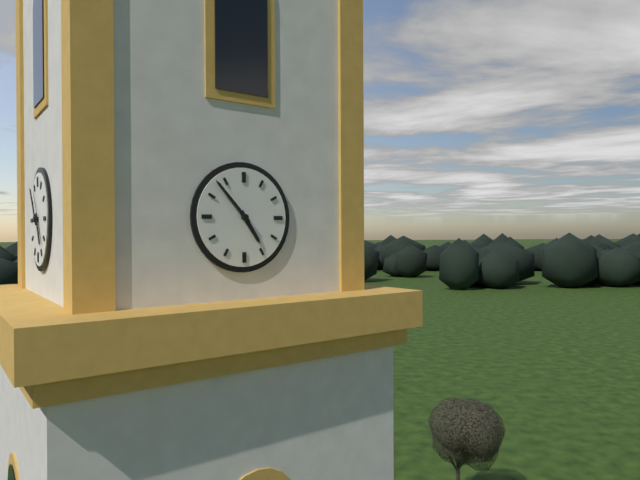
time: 4:53
